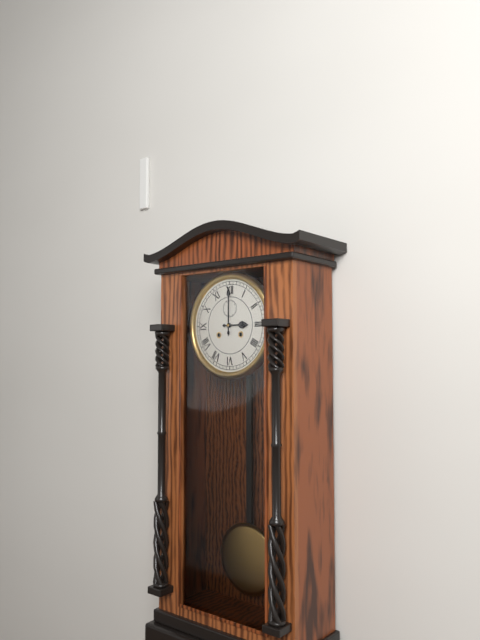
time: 3:00
